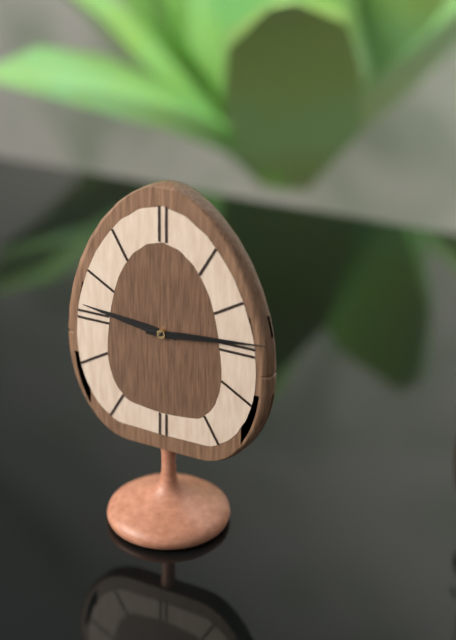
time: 9:14
